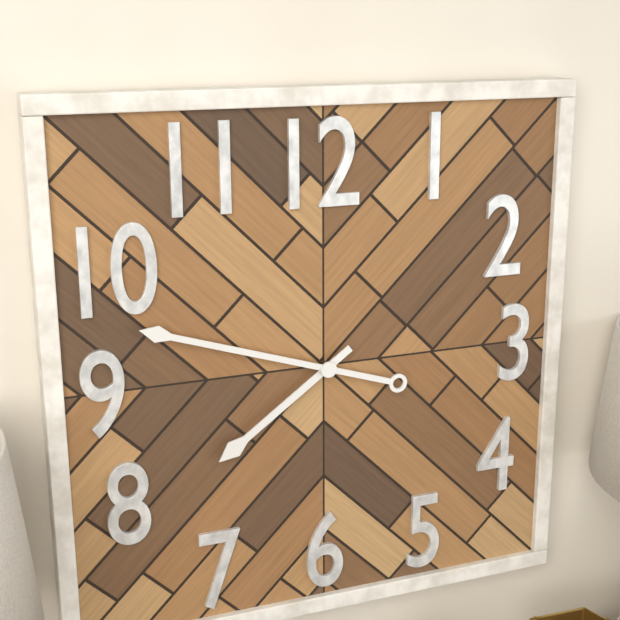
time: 7:48
